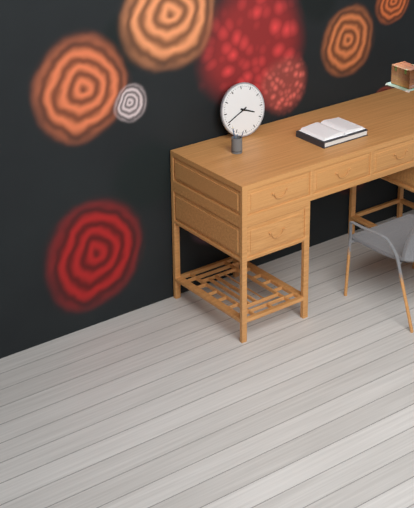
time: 3:41
